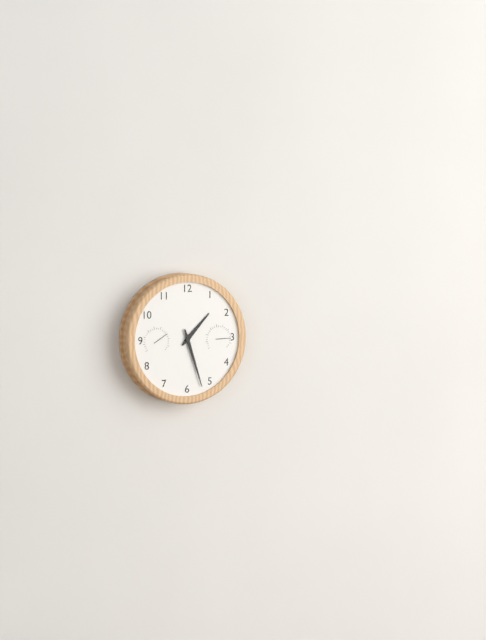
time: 1:27
